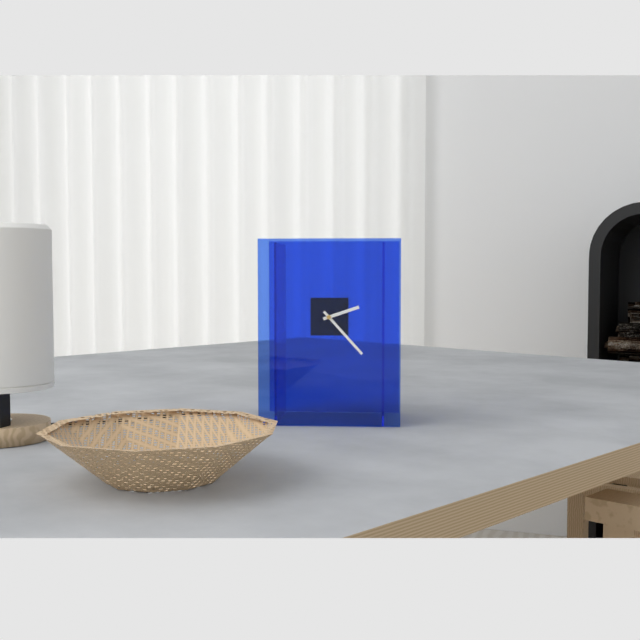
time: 2:23
